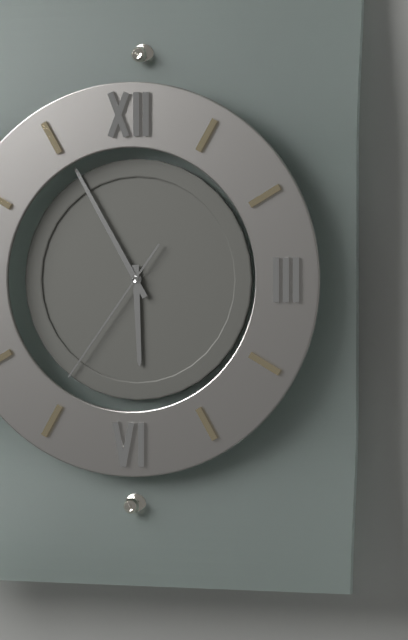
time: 5:55:36
